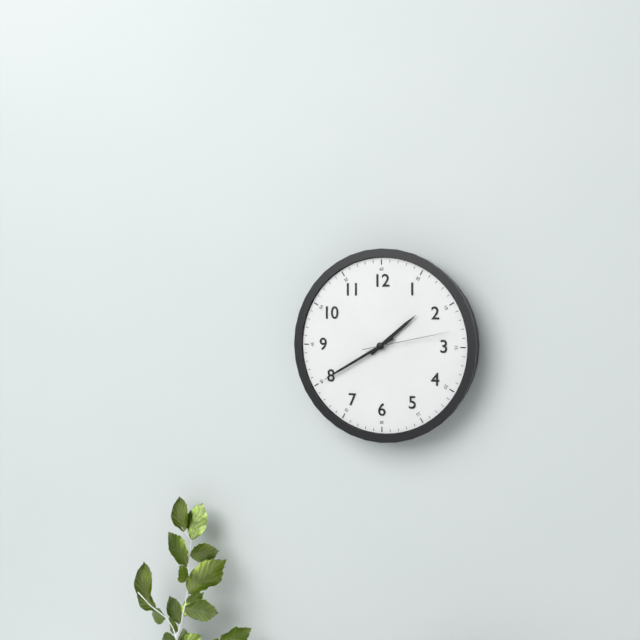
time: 1:40:13
